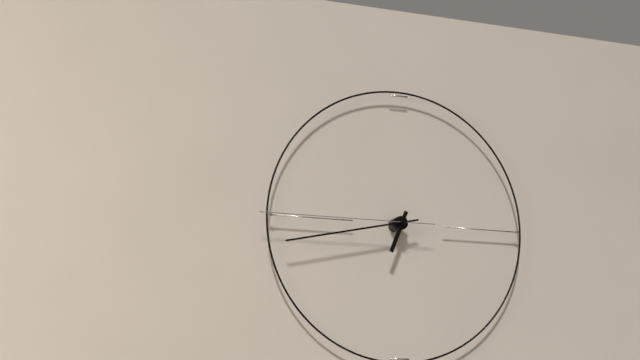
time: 6:43:45
